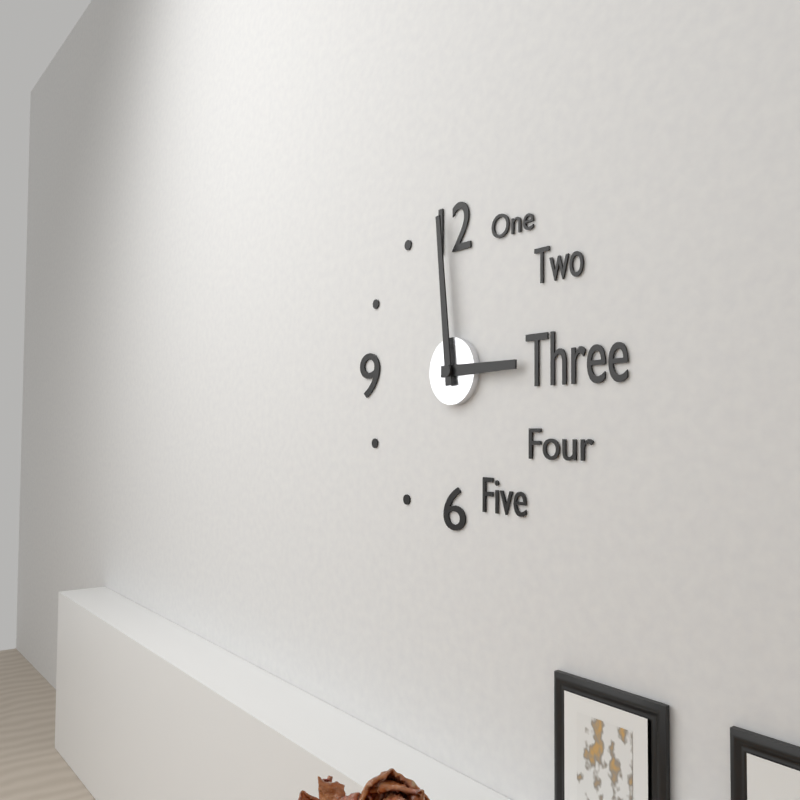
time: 2:59
